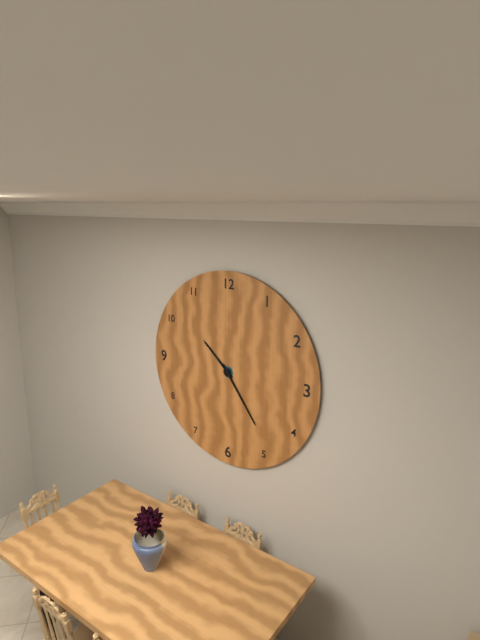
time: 10:24
